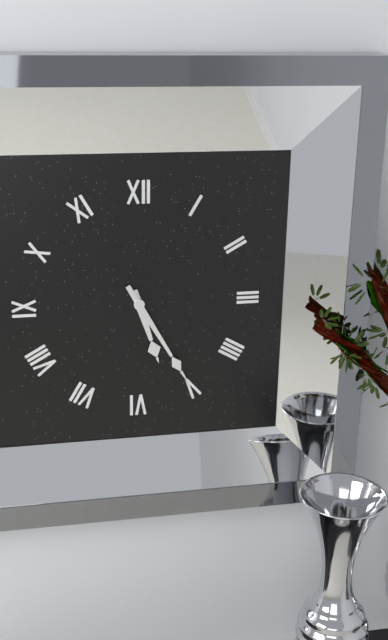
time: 5:25
